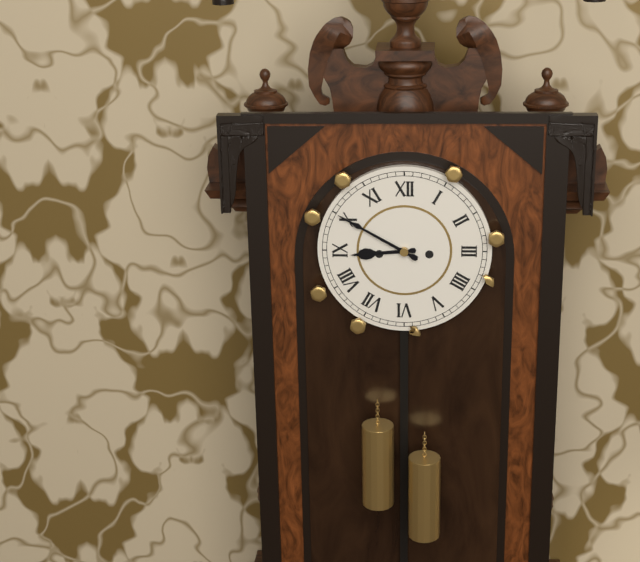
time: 8:50
